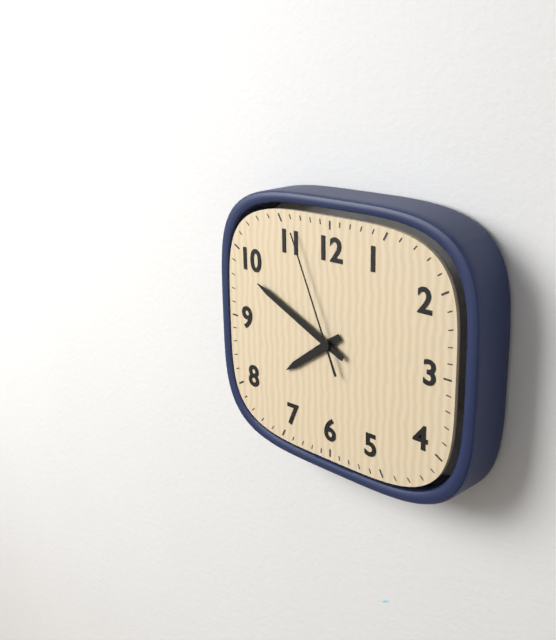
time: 7:49:56
